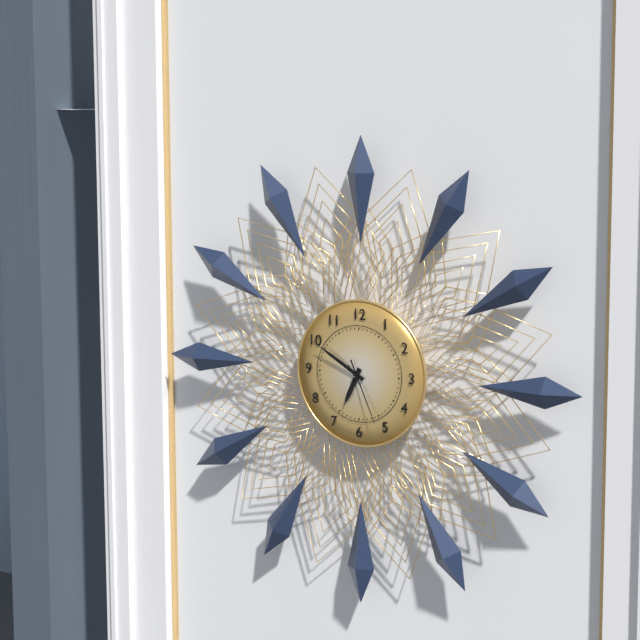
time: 6:50:26
